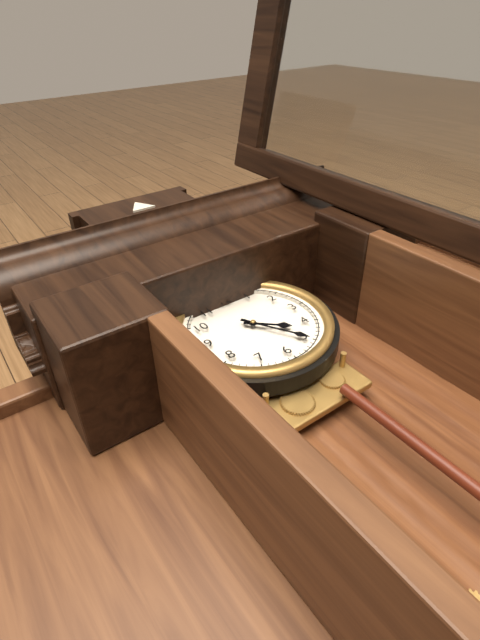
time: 4:25
